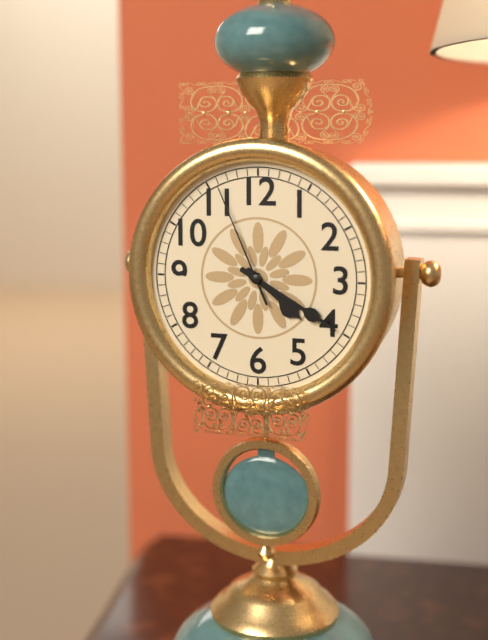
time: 4:20:56
